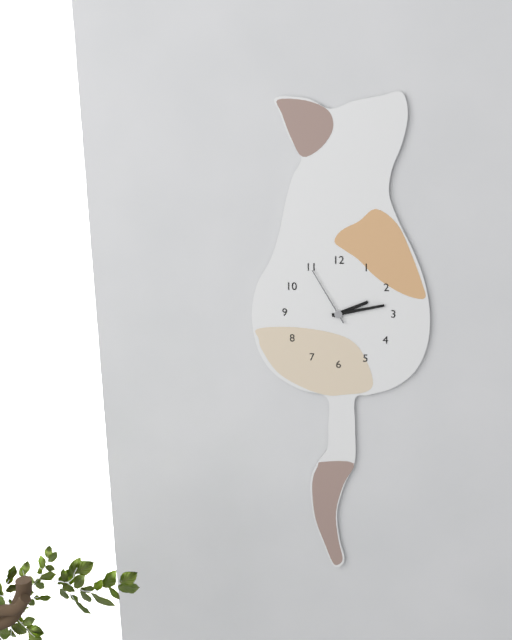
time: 2:13:55
